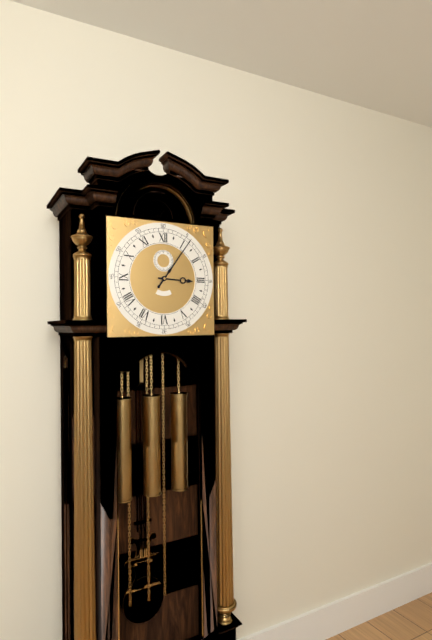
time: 3:06
